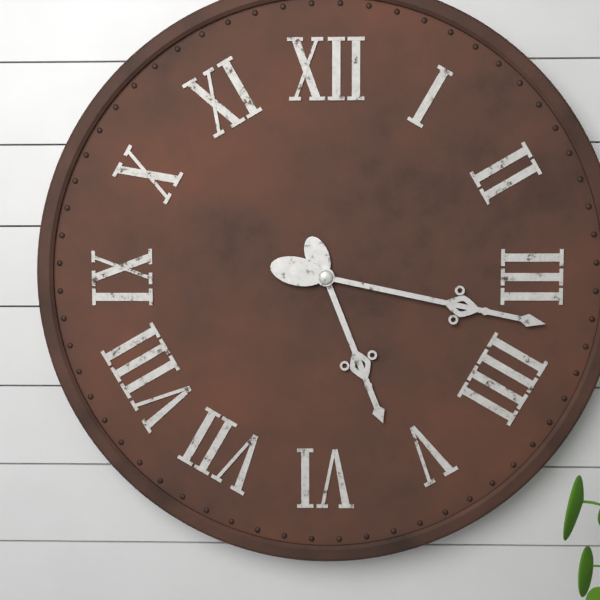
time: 5:17
